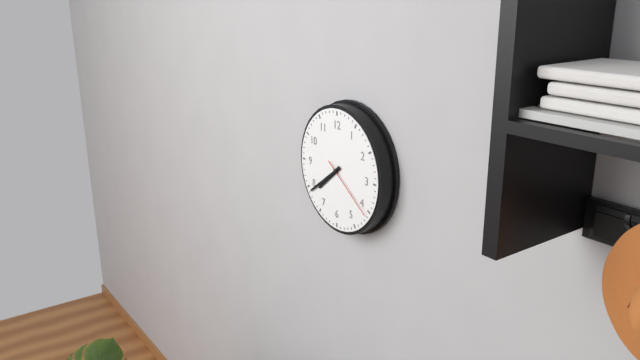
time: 7:39:21
